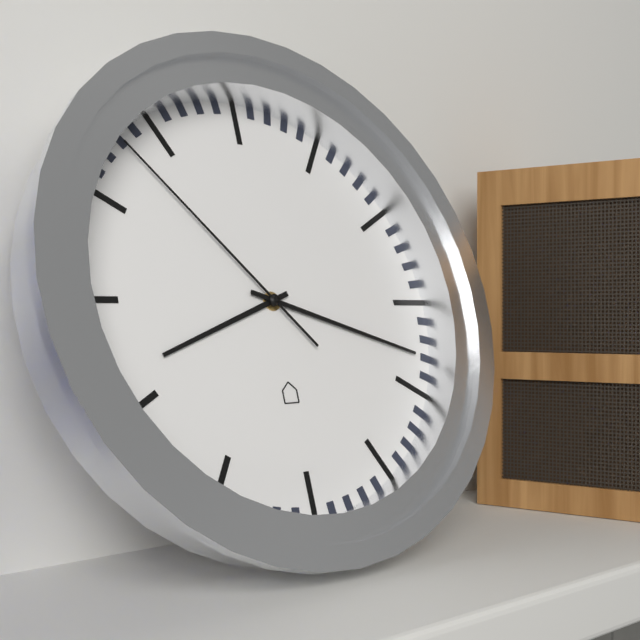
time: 8:18:53
